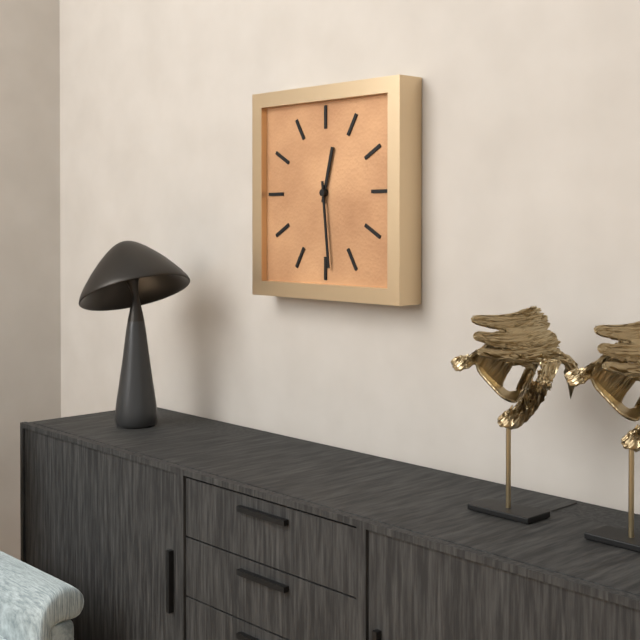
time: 12:29
